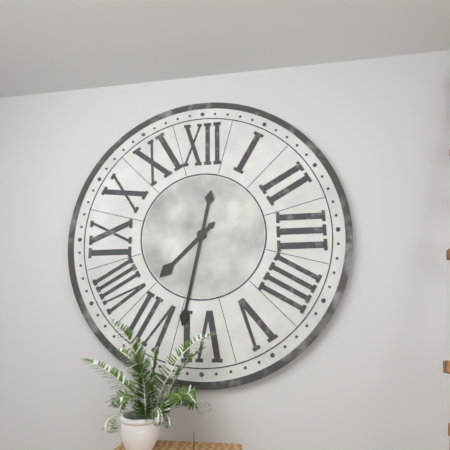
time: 7:32
